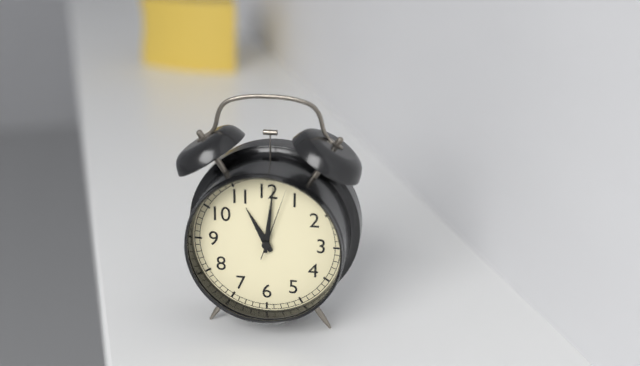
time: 11:01:03
